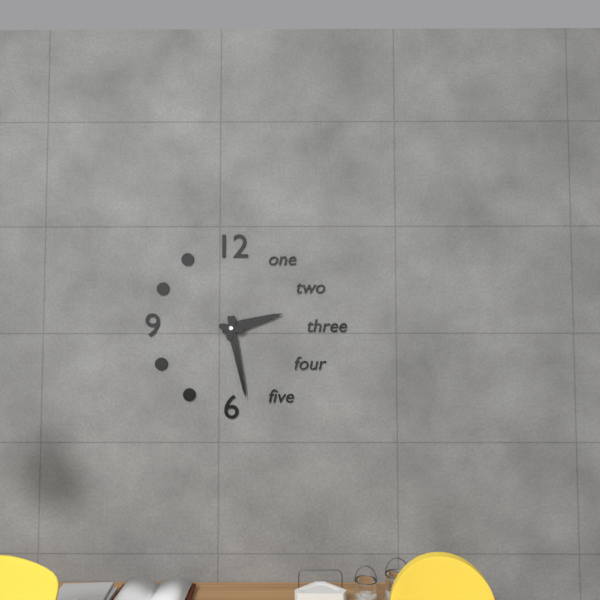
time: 2:28
